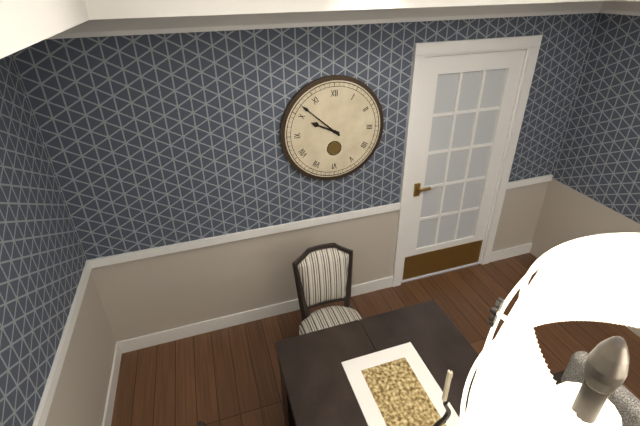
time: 9:52
